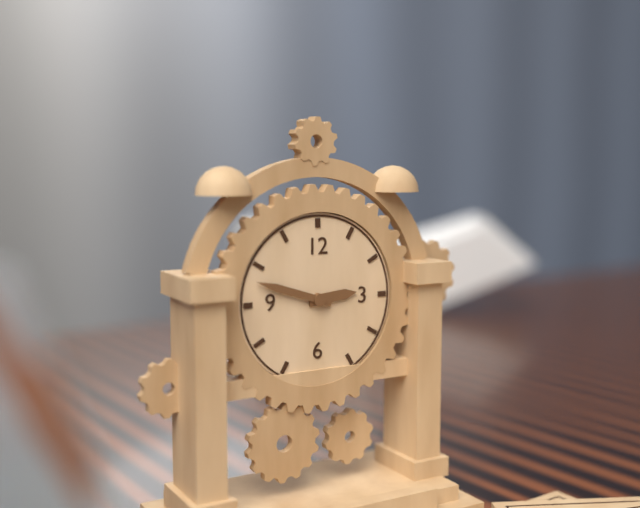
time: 2:48
